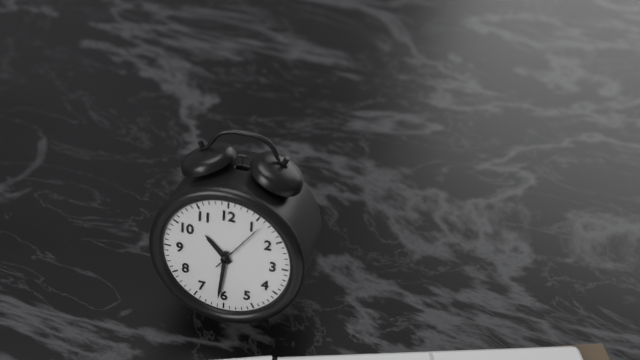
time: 10:31
